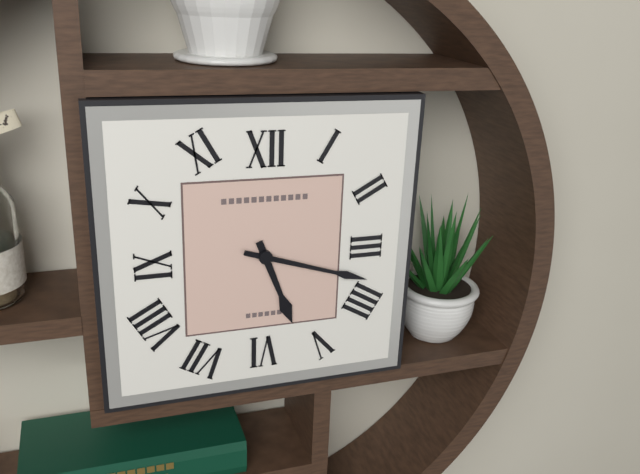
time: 5:18
